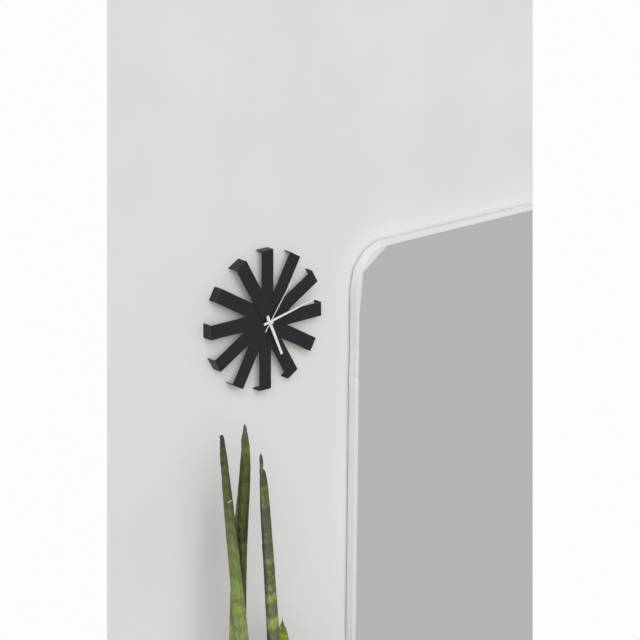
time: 5:13:06
